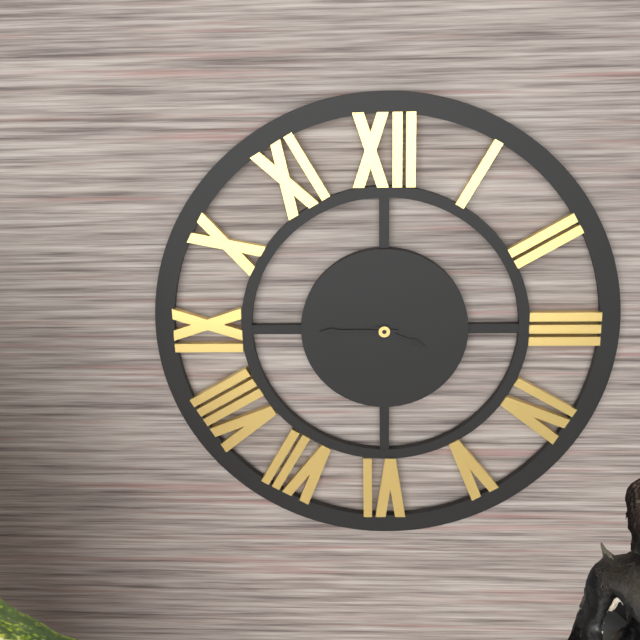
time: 3:45
